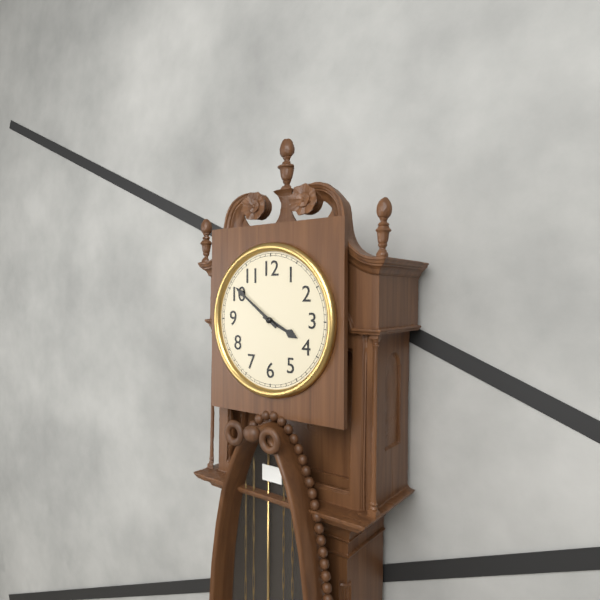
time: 3:51
